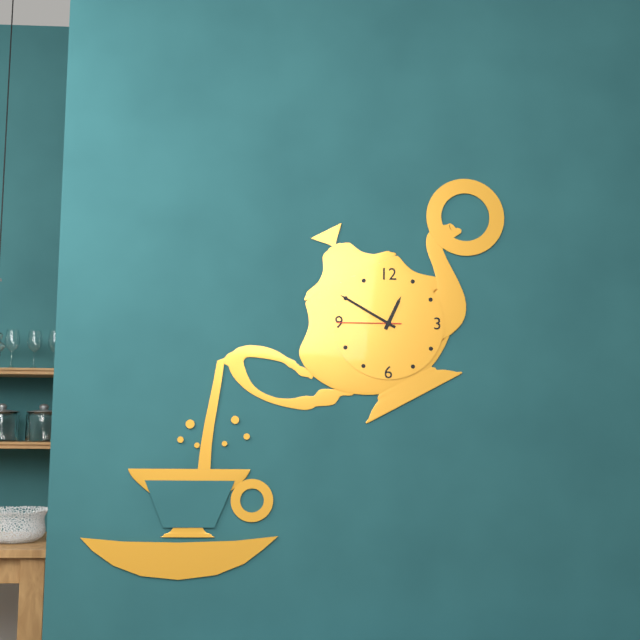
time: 12:50:45
